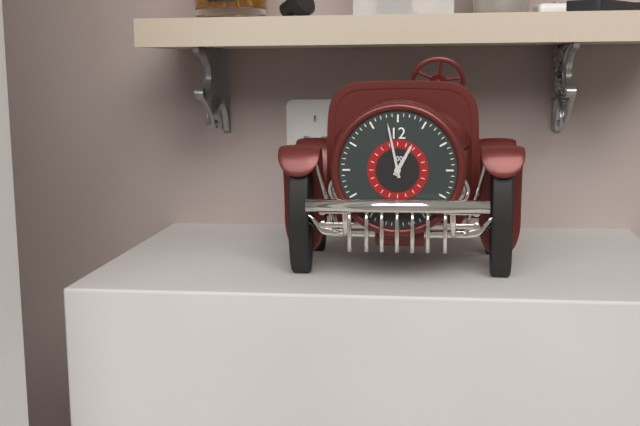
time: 12:58
